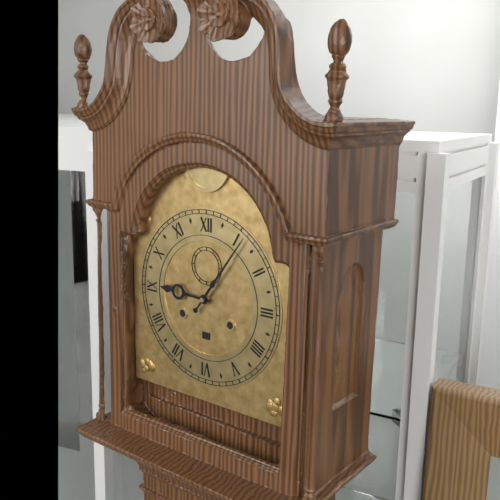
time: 9:06
